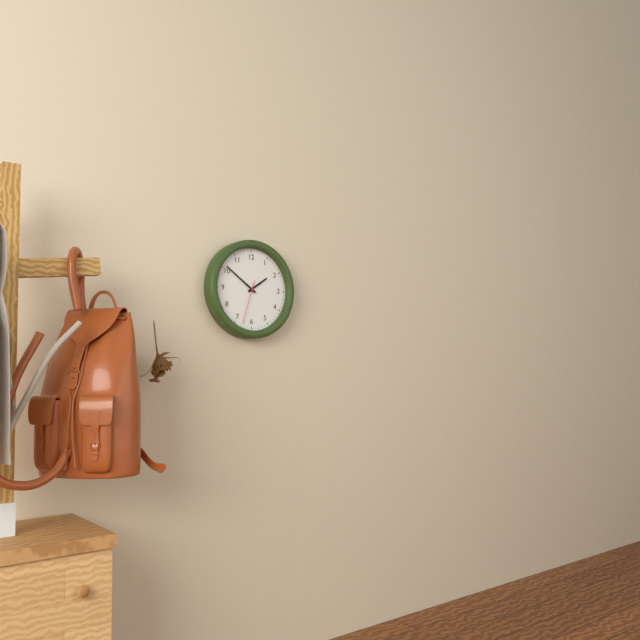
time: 1:51
